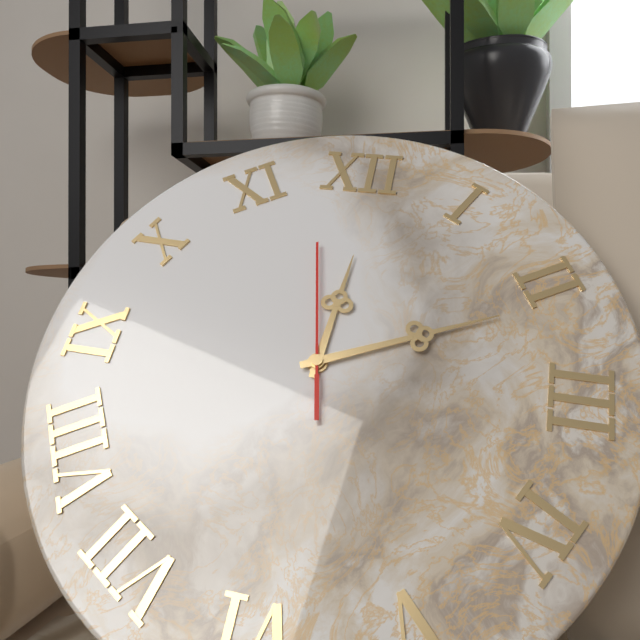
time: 12:11:58
